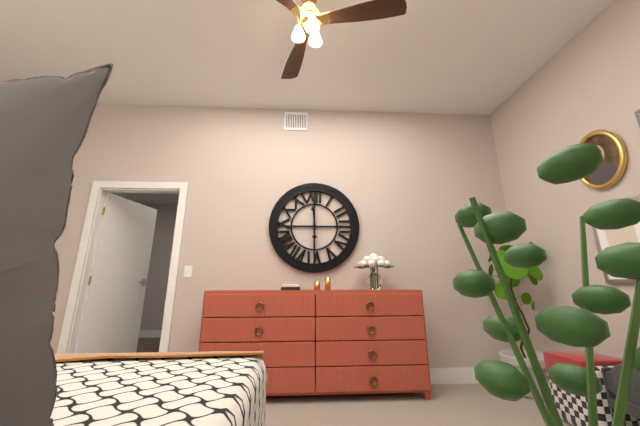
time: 5:59
